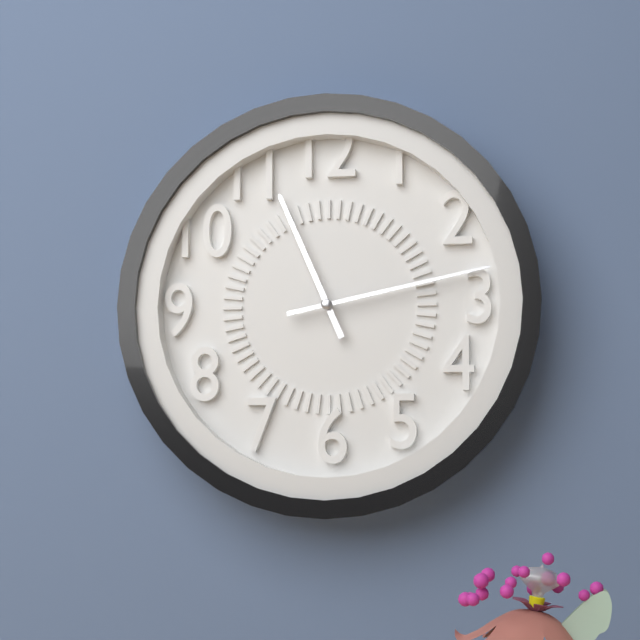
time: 11:13
